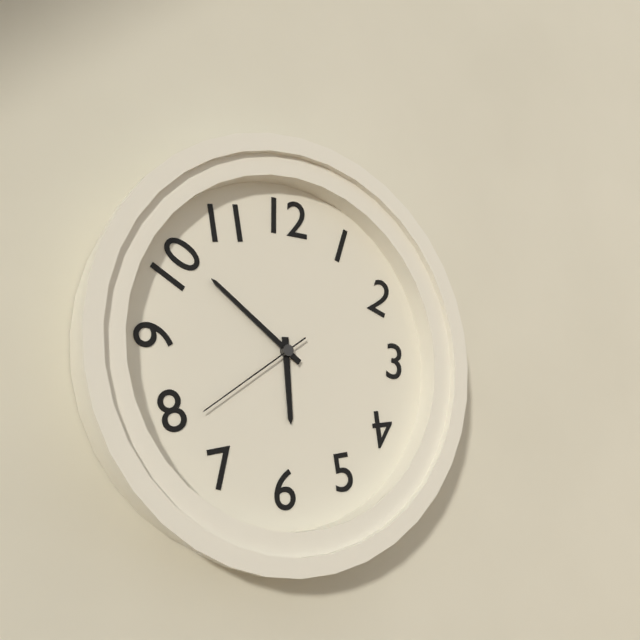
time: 5:51:39
